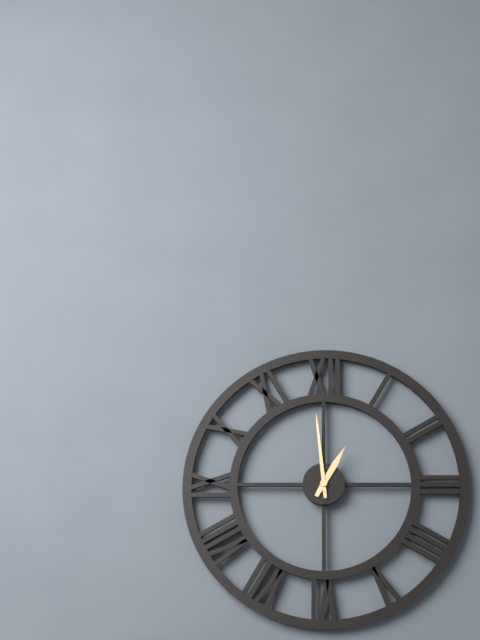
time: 12:59
